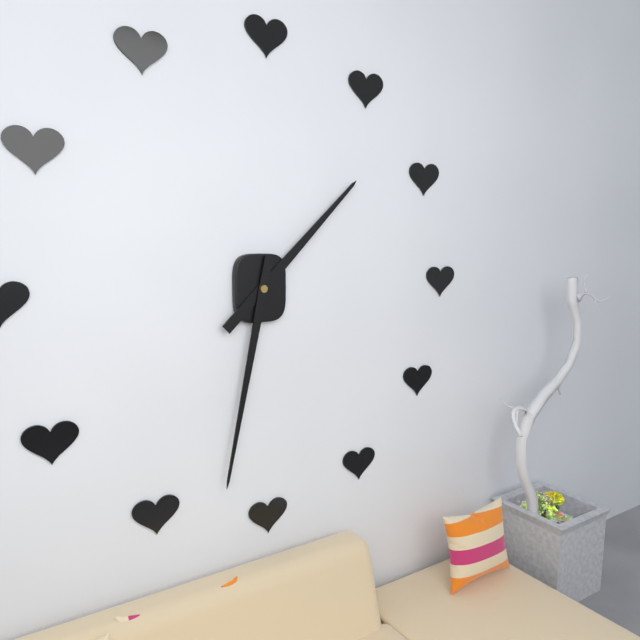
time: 1:32
